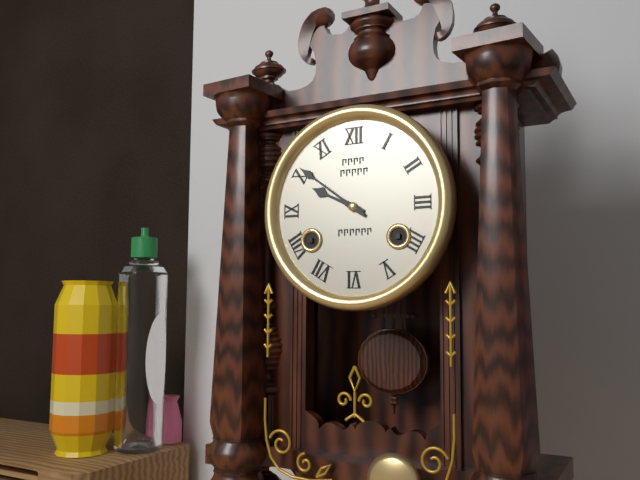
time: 9:51
